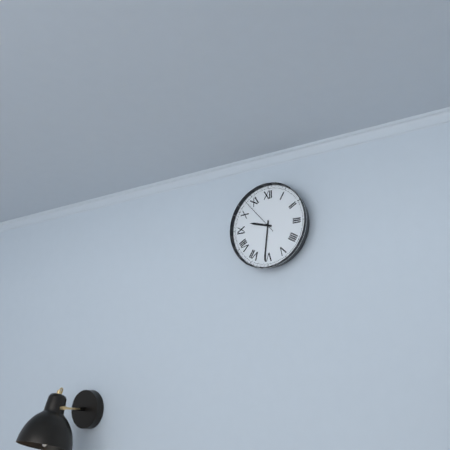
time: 9:31
